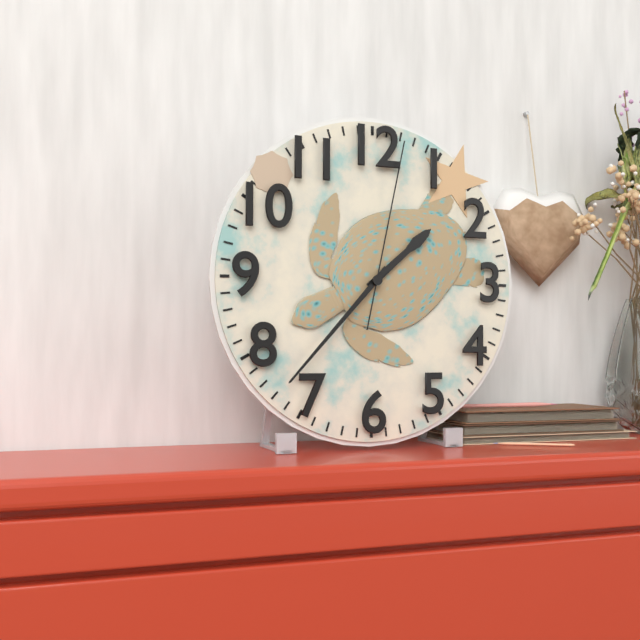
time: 1:37:02
